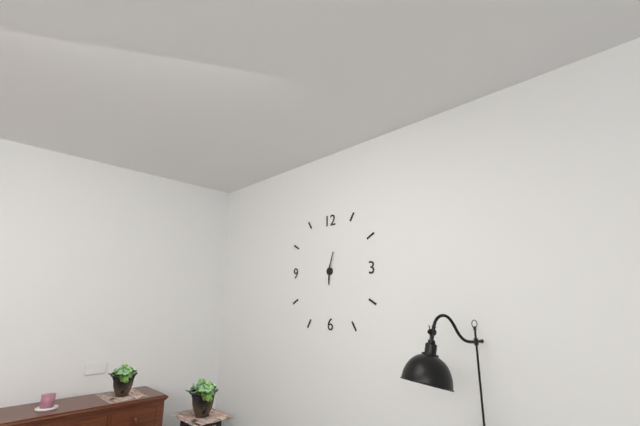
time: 6:03
